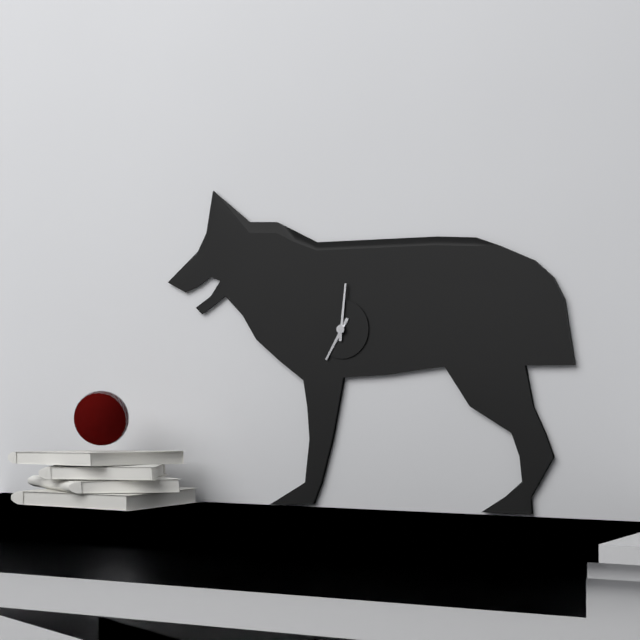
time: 7:01
